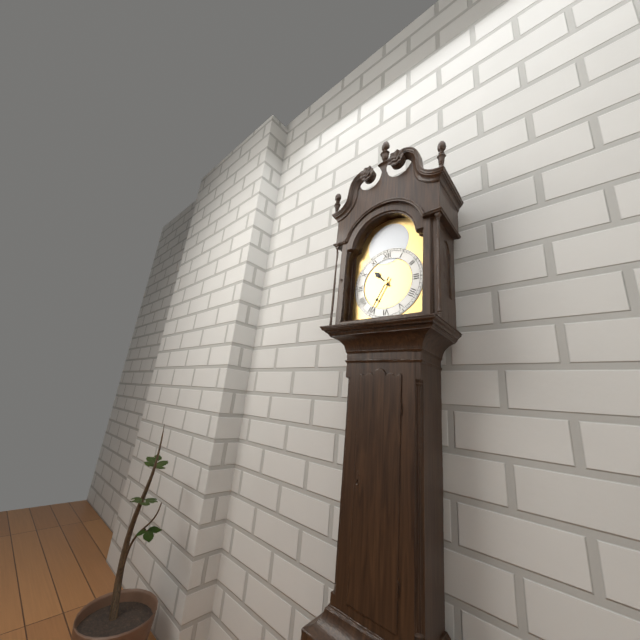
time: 10:35
